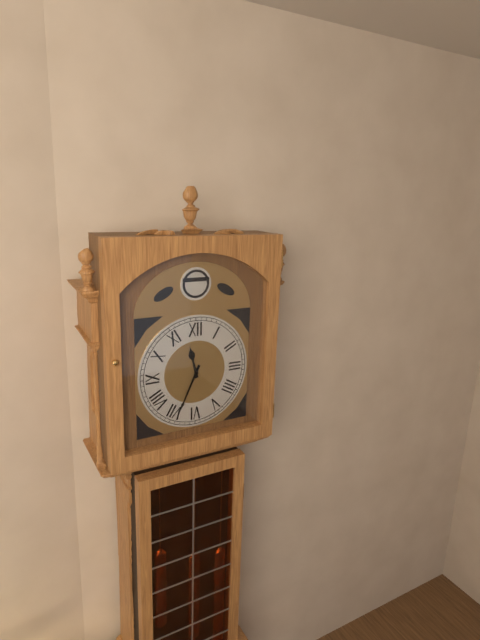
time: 11:34
